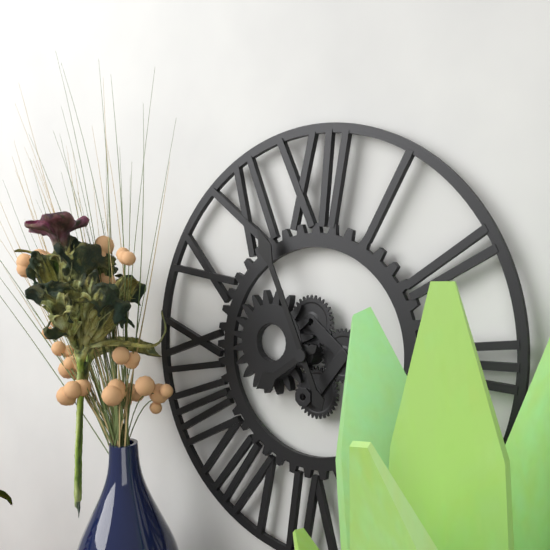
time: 7:56
